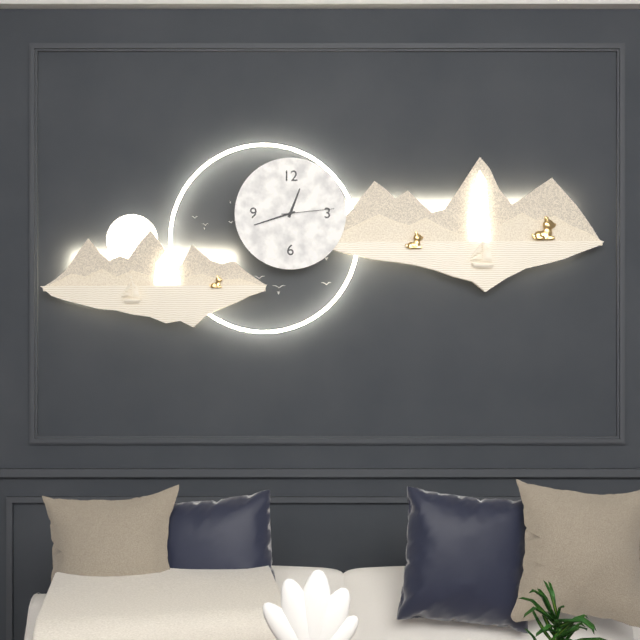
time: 12:42:14
